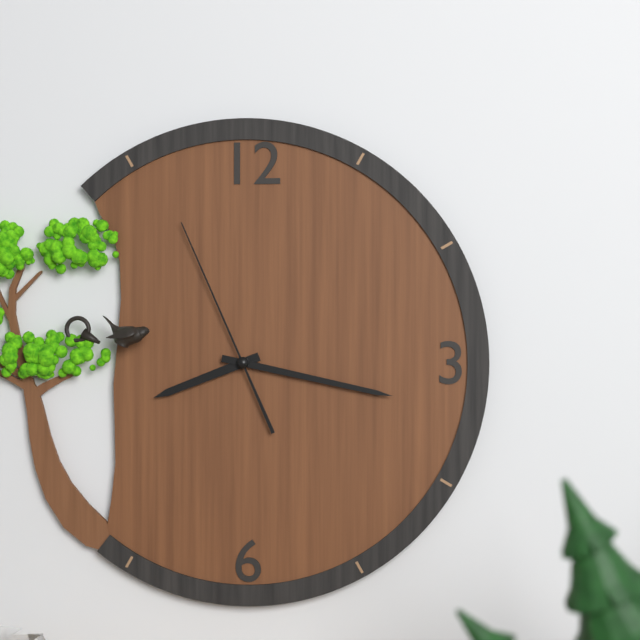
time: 8:17:56
